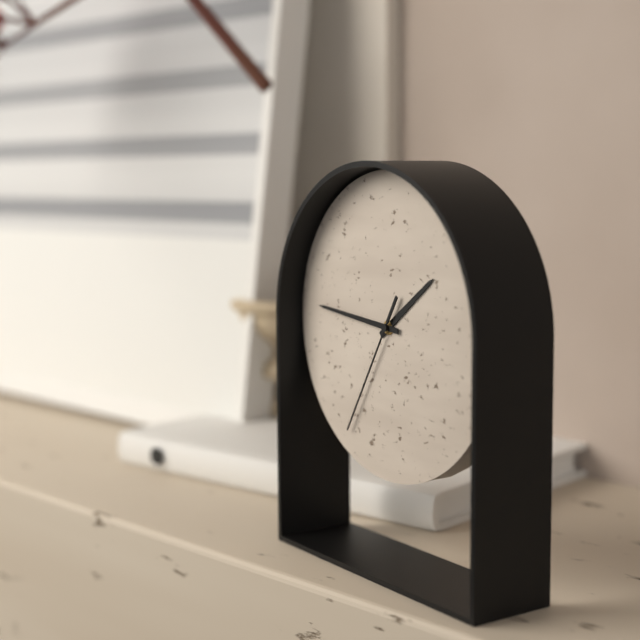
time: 1:46:35
